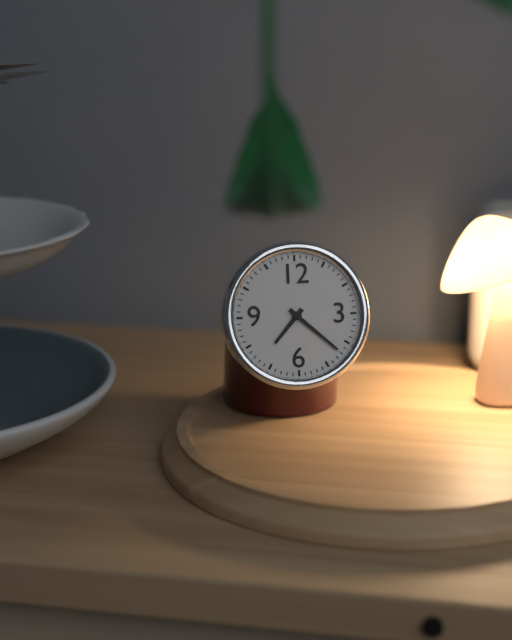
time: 7:22
